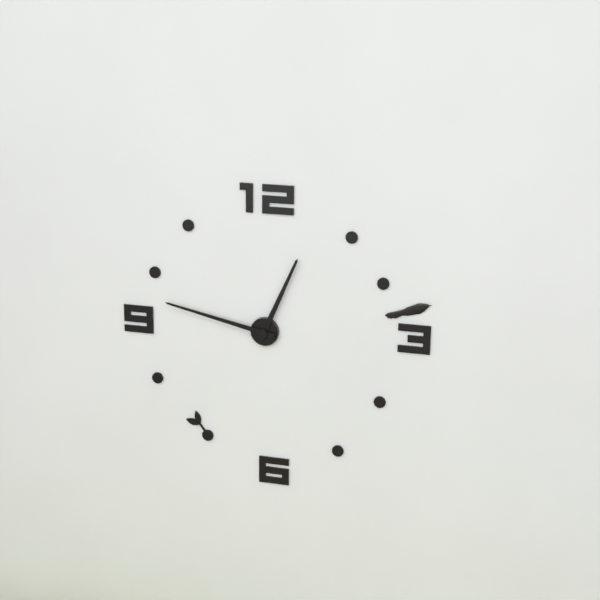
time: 12:47
